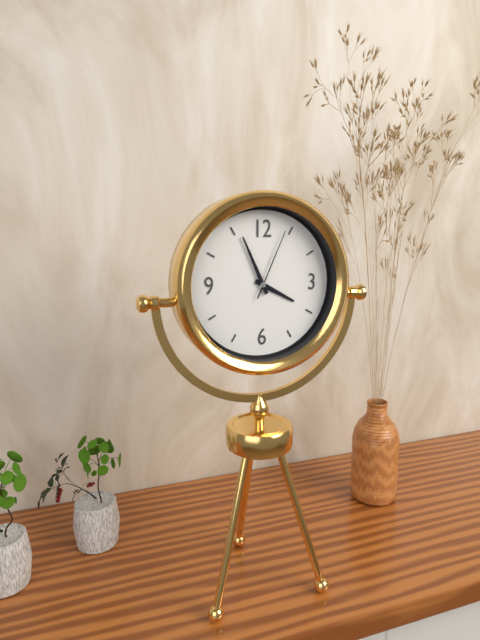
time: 3:56:04
